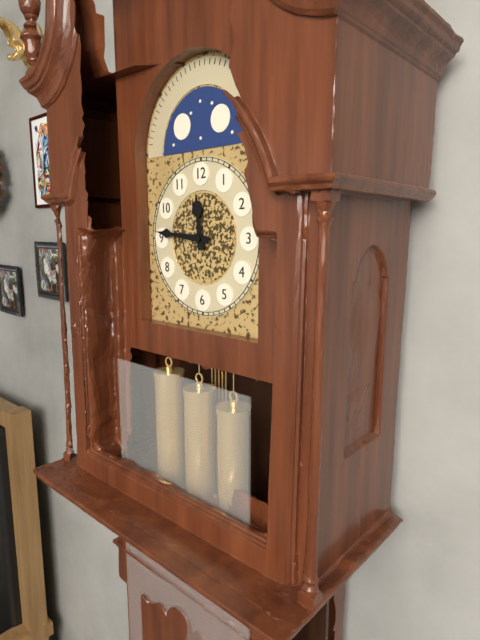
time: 11:46
